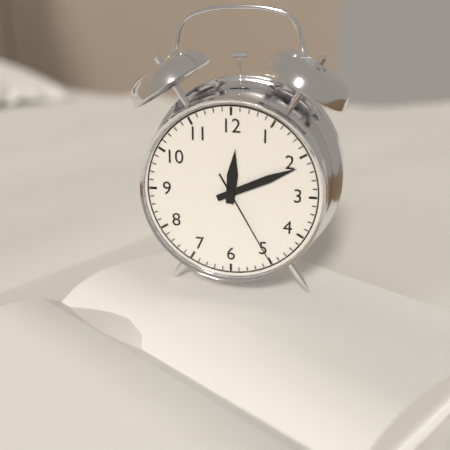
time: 12:11:25
